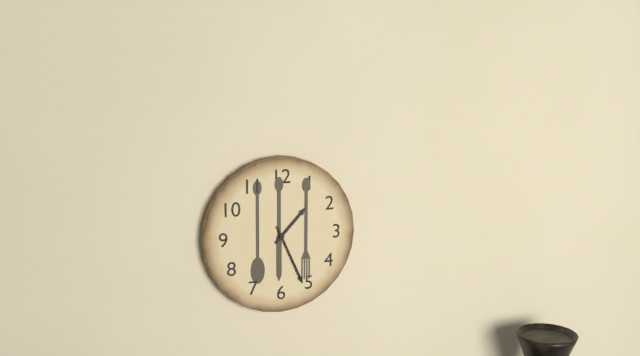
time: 1:26
